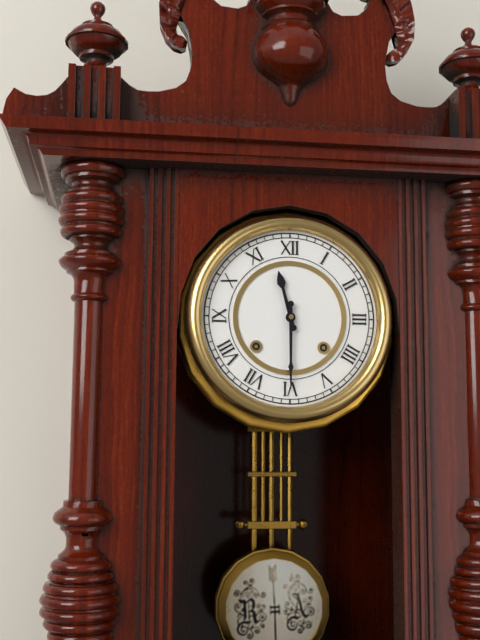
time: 11:30
